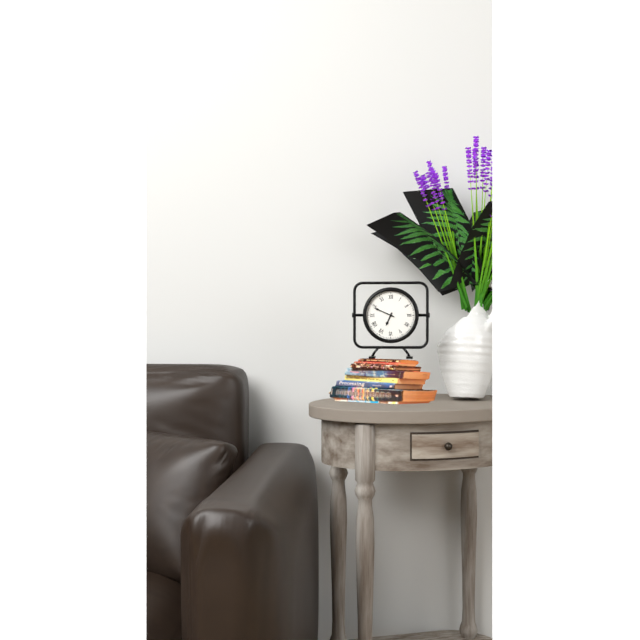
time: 6:49
